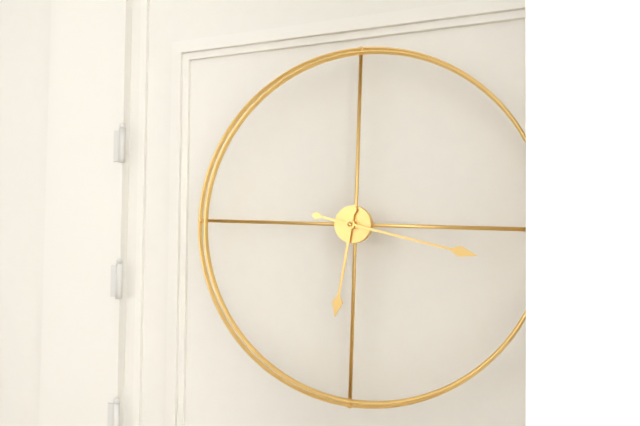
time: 6:17
